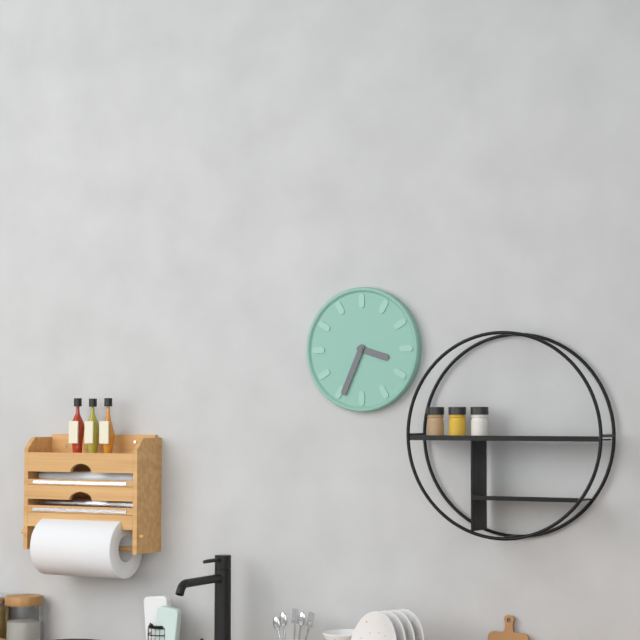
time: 3:34
